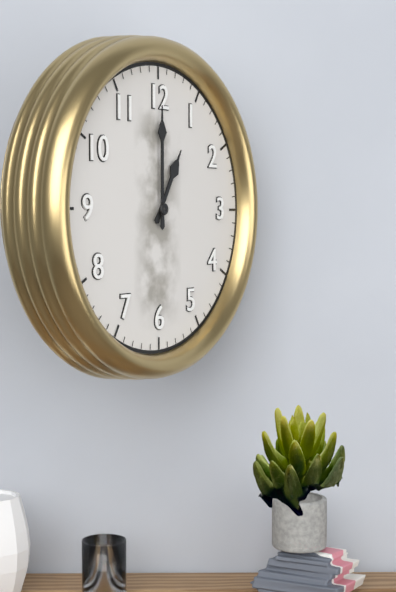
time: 1:00
